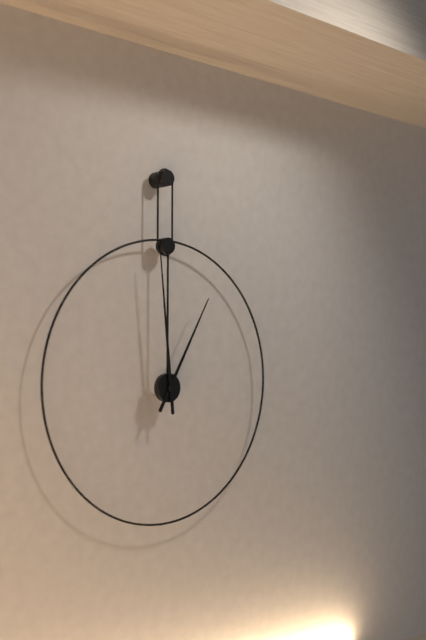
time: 12:59
